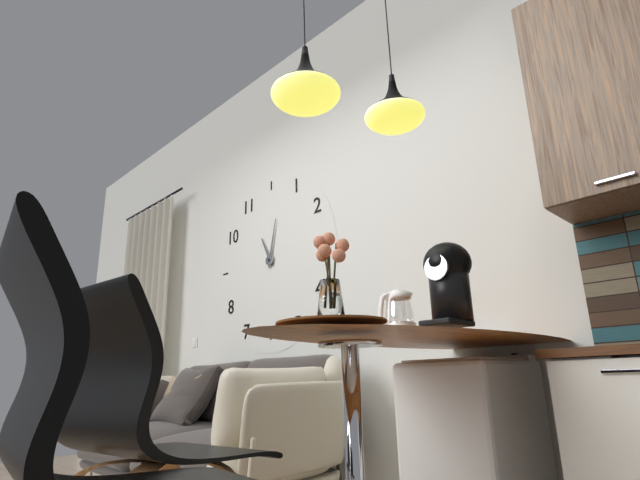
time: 11:02
